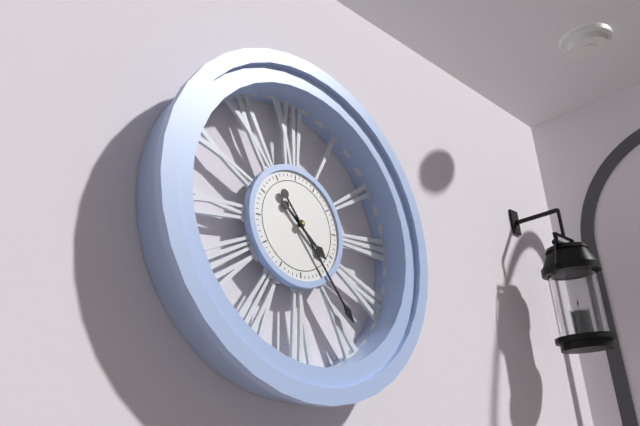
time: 4:24
